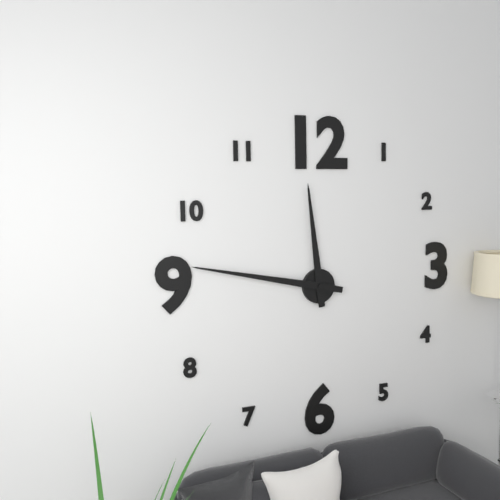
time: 11:47
